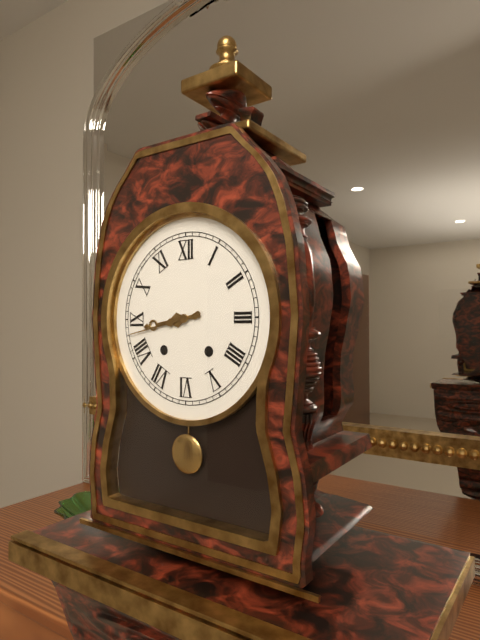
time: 8:43
